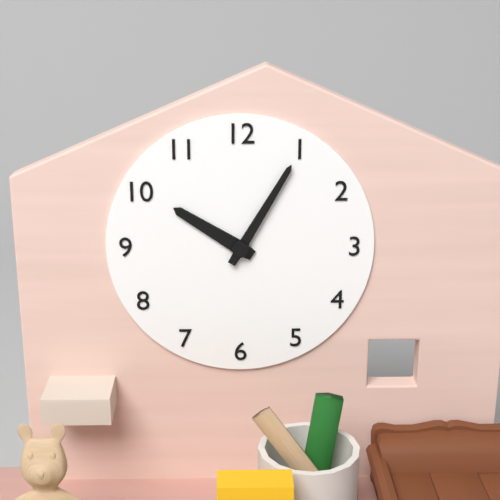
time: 10:05
